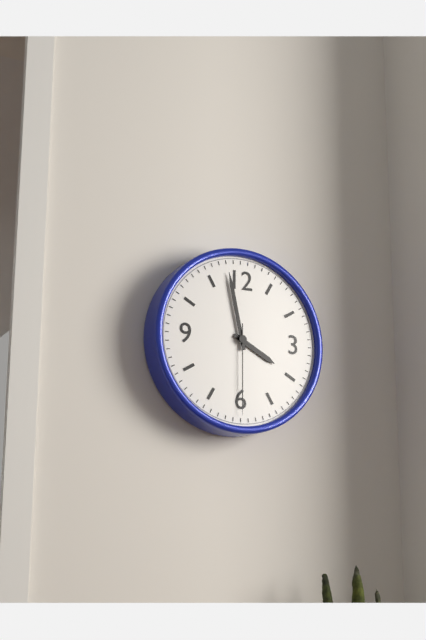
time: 3:58:30
